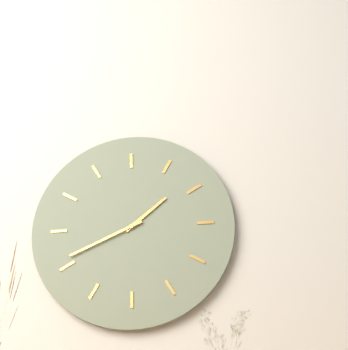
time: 1:41
